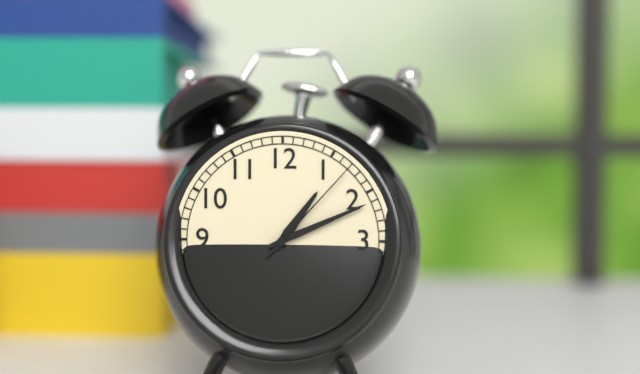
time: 1:11:07
